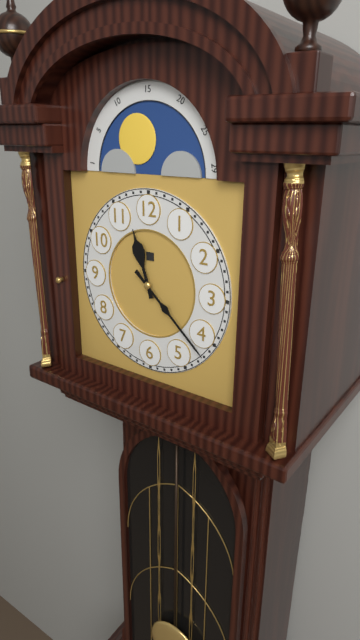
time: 11:22
